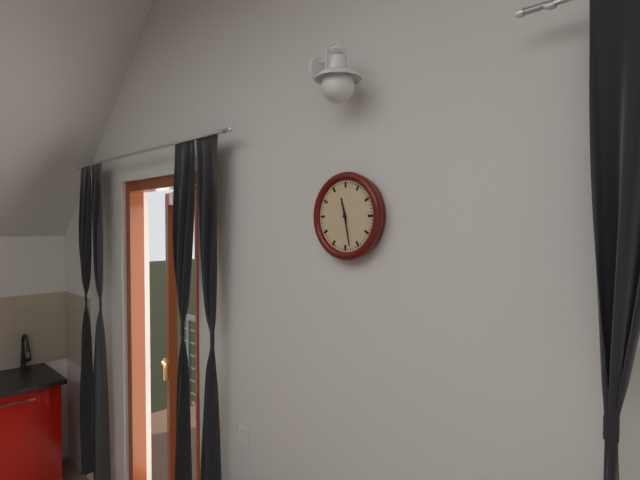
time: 11:28
